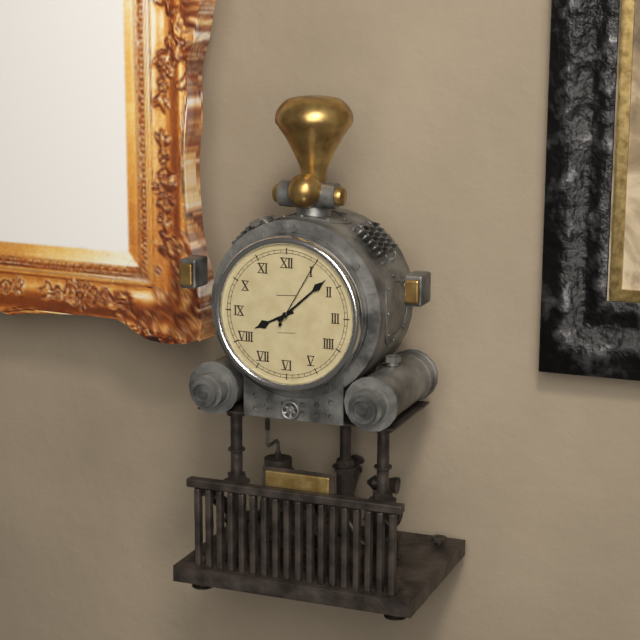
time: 8:08:05
